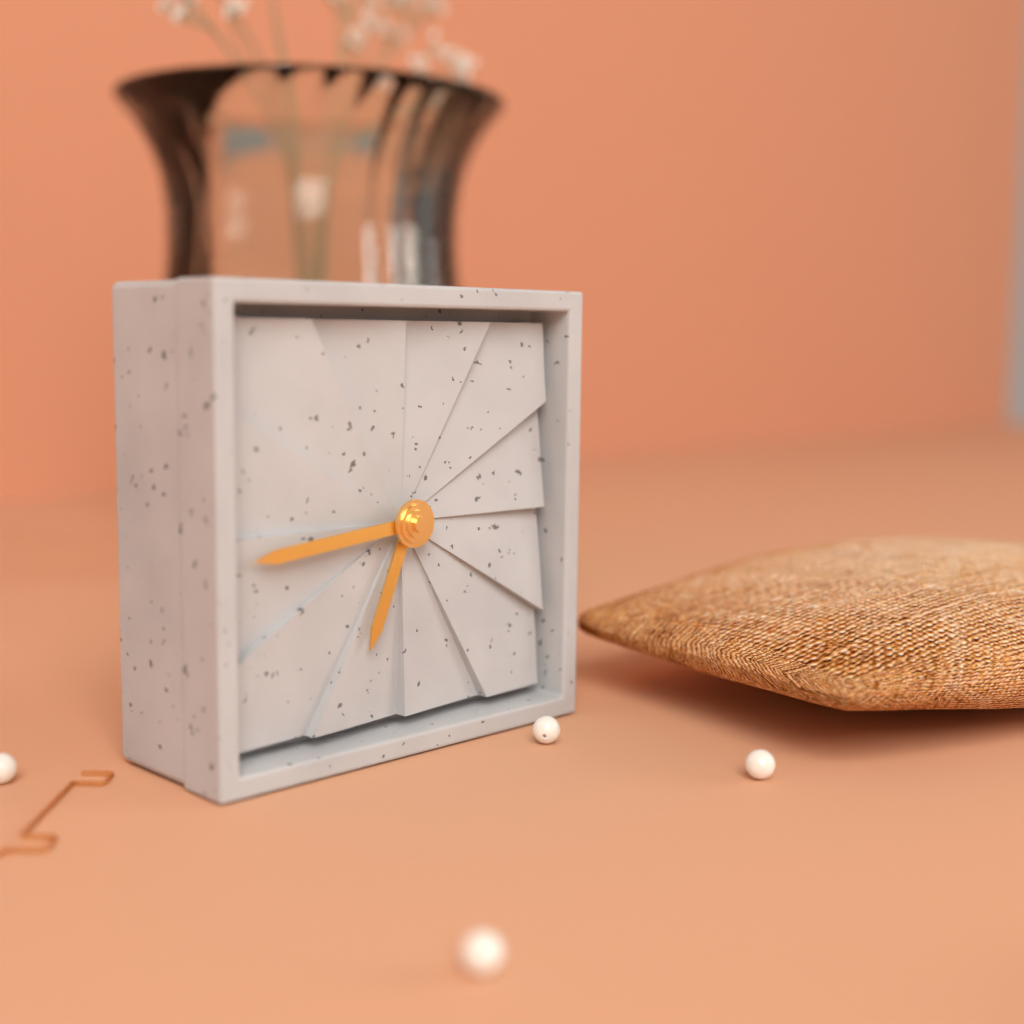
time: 6:44
